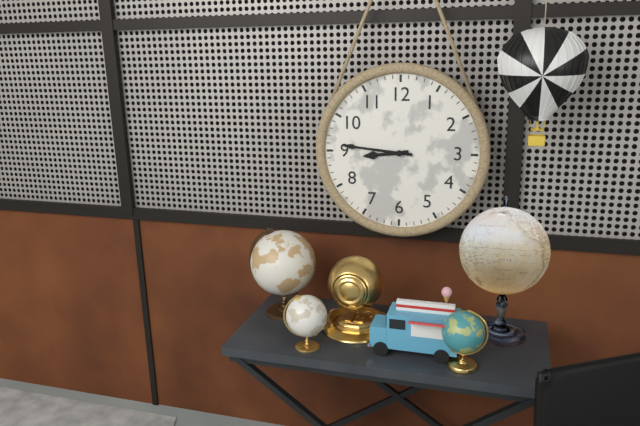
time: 8:46
